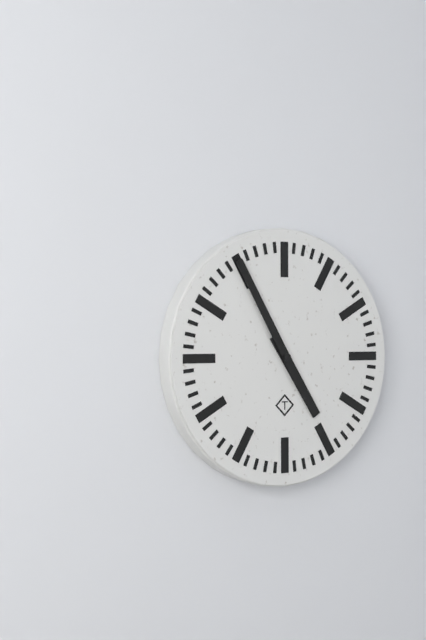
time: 4:55
